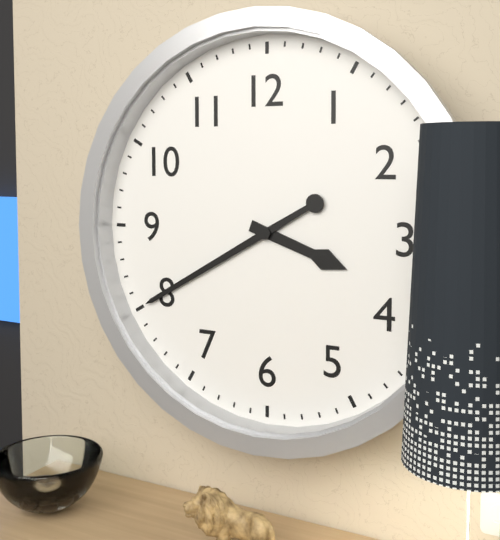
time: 3:40
